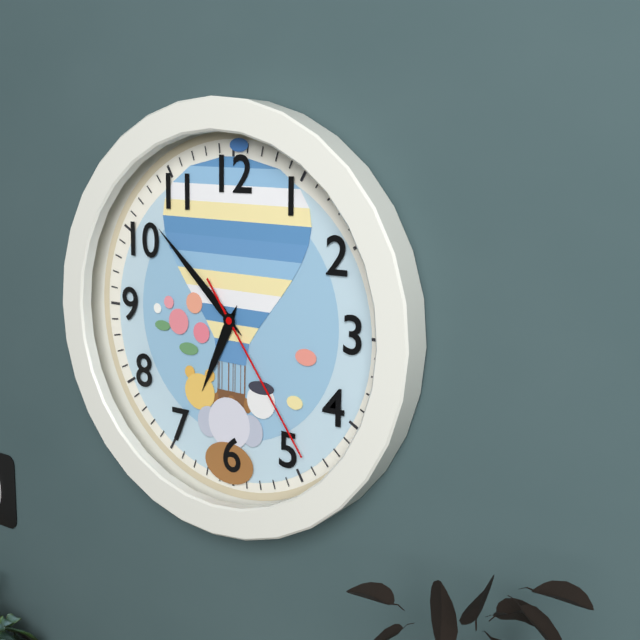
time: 6:52:24
